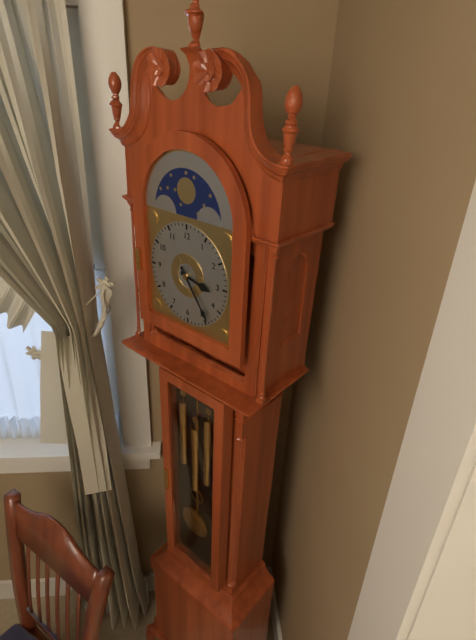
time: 3:24
